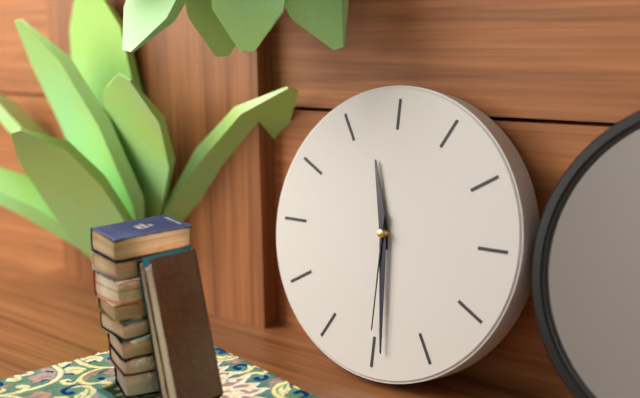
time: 11:29:30
